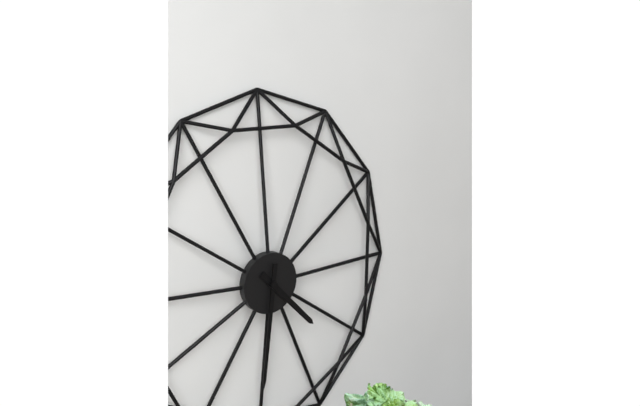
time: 4:31
